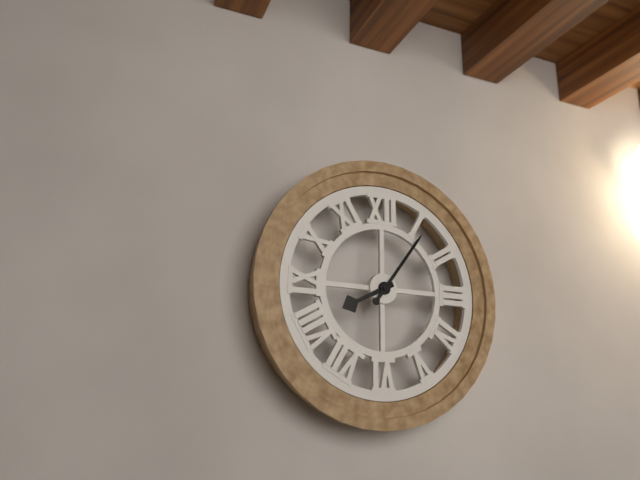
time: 8:06
